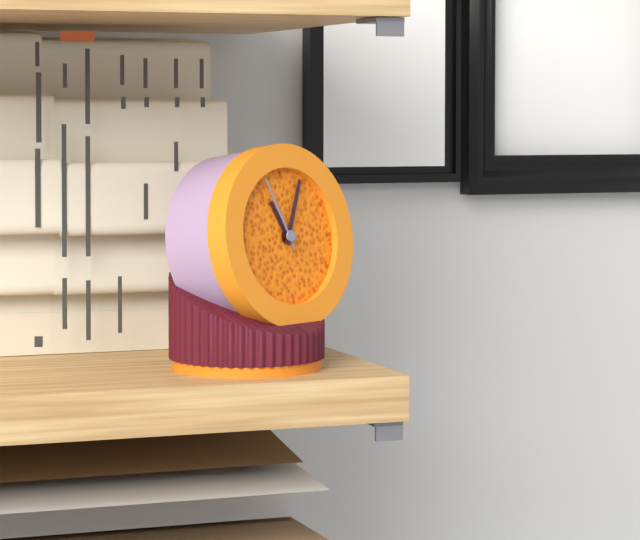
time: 11:04:56
